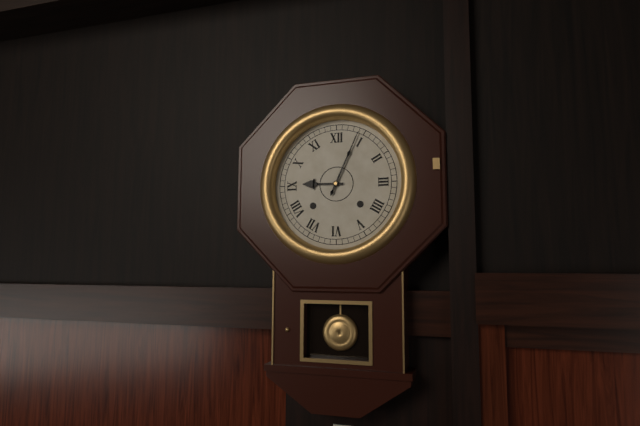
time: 9:04
